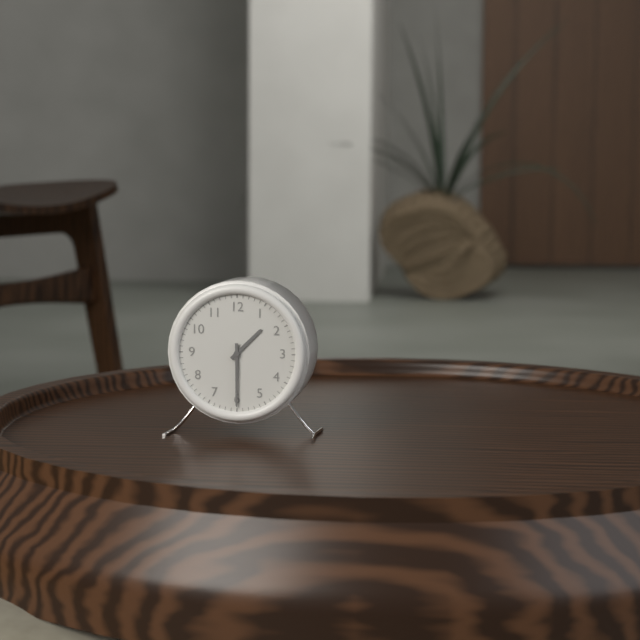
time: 1:30
